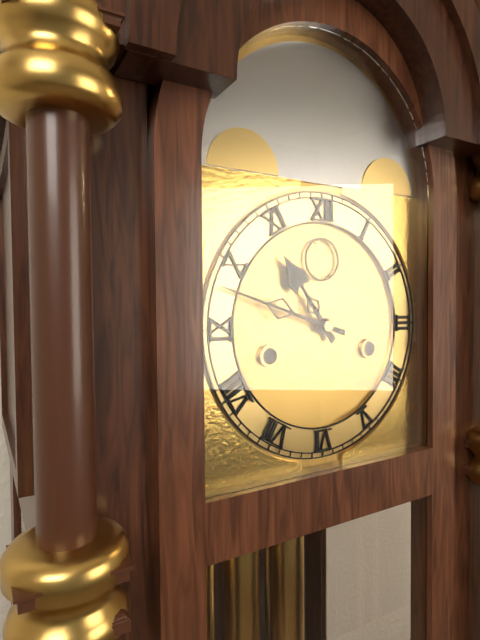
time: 10:48
